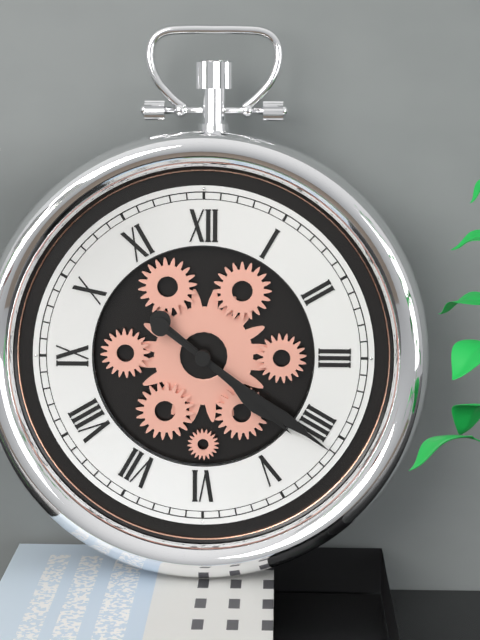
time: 4:21
